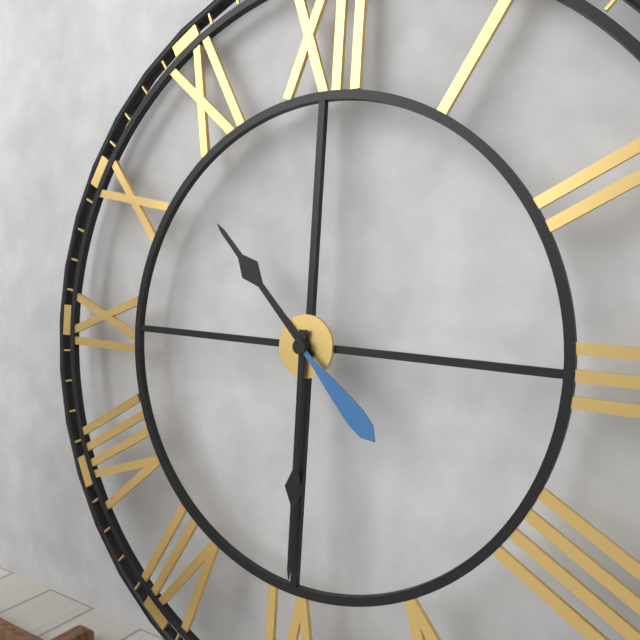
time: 10:30:22
